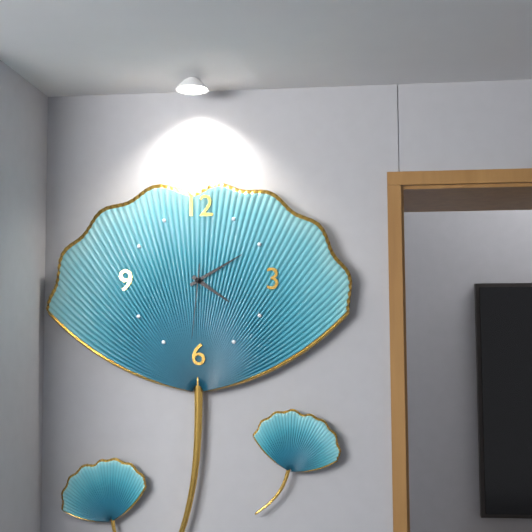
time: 4:10:31
